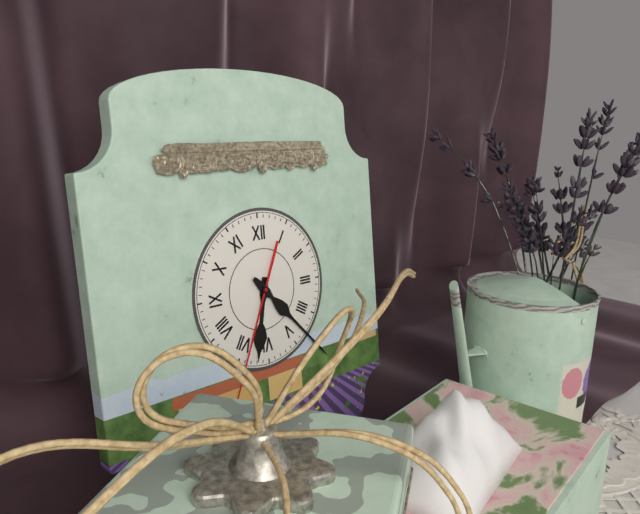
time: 6:23:34
